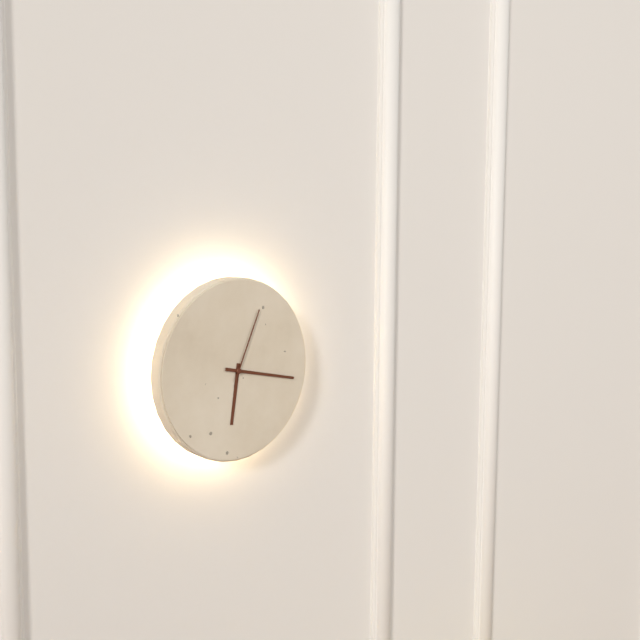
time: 6:17:04
